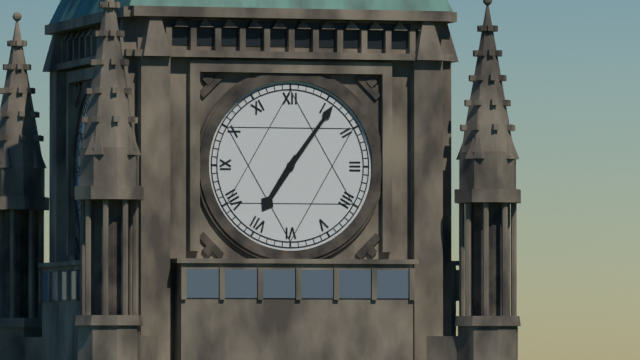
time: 7:06
